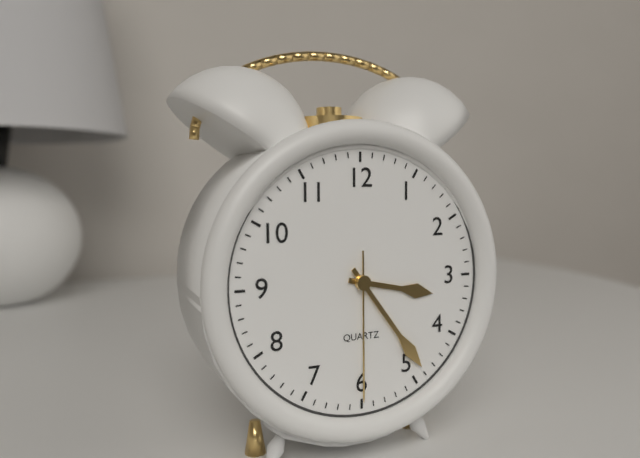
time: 3:24:30
